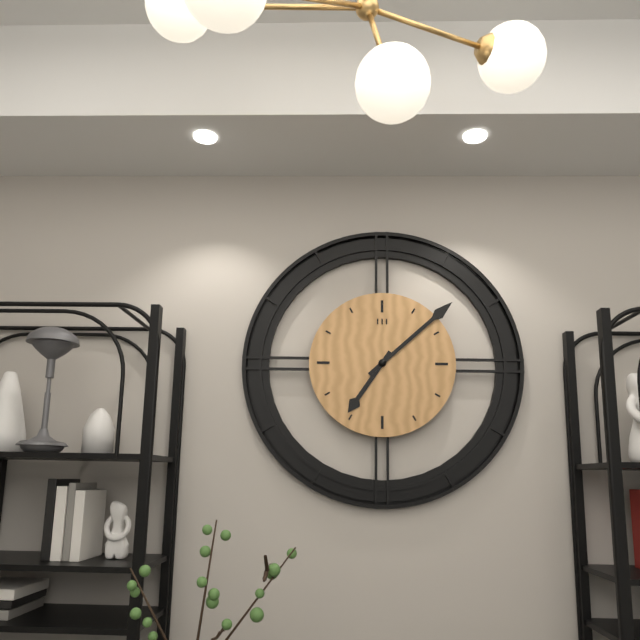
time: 7:08
